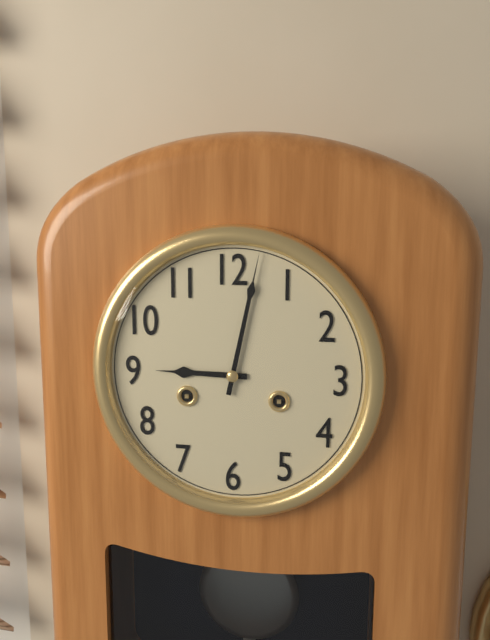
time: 9:02
